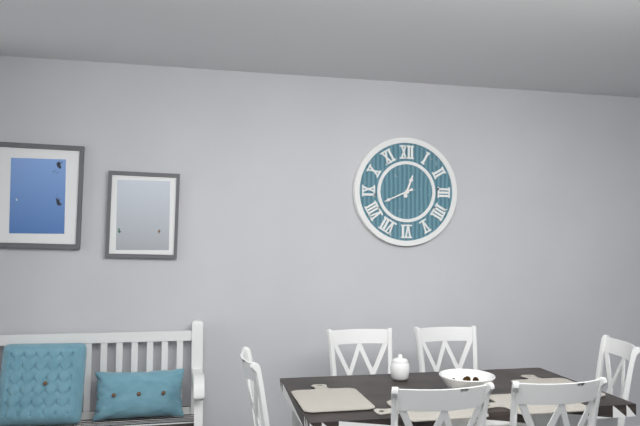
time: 12:41
